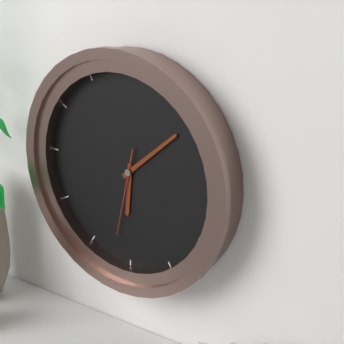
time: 6:08:32
